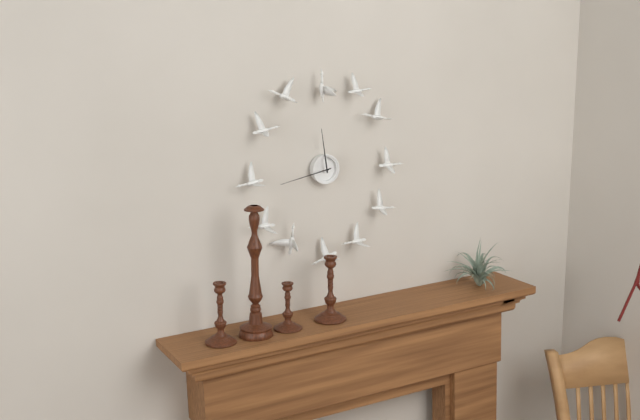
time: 11:43
